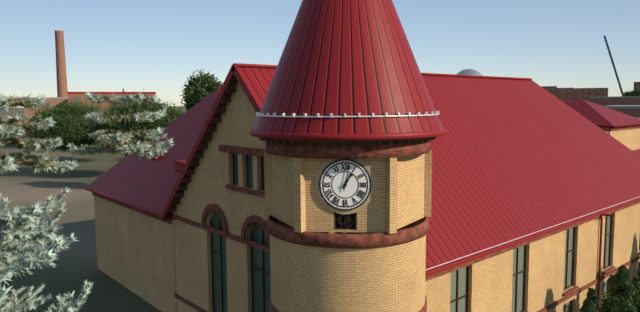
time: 1:02
